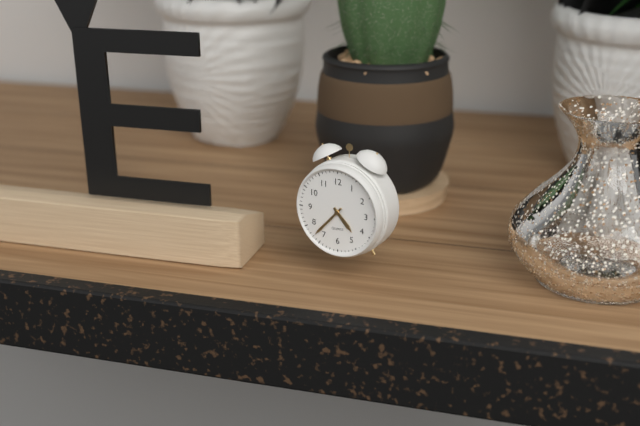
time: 4:37
